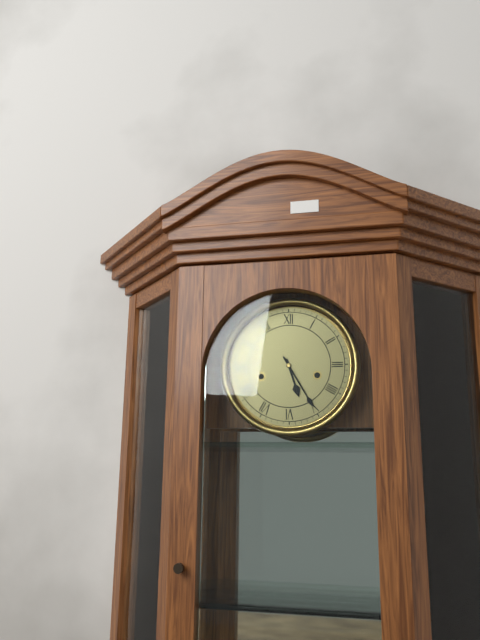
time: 5:25
